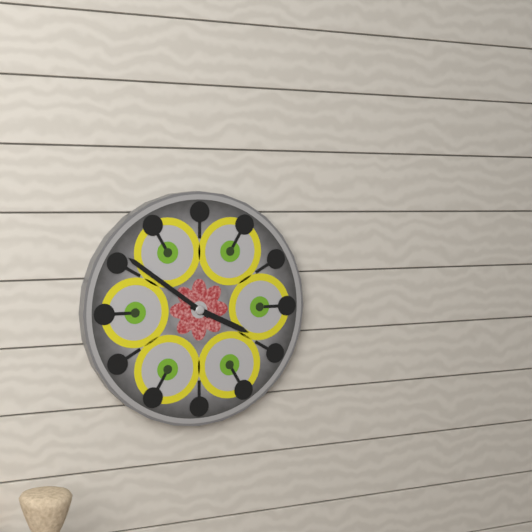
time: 3:51
